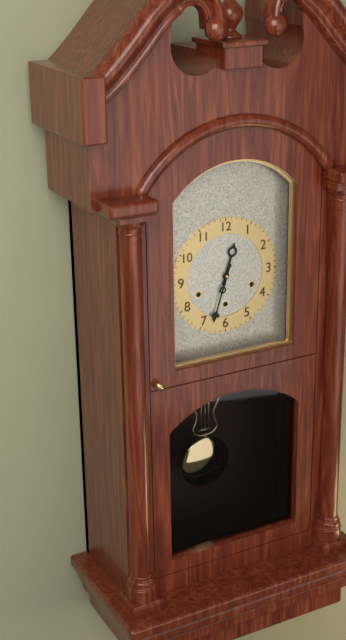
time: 12:33
